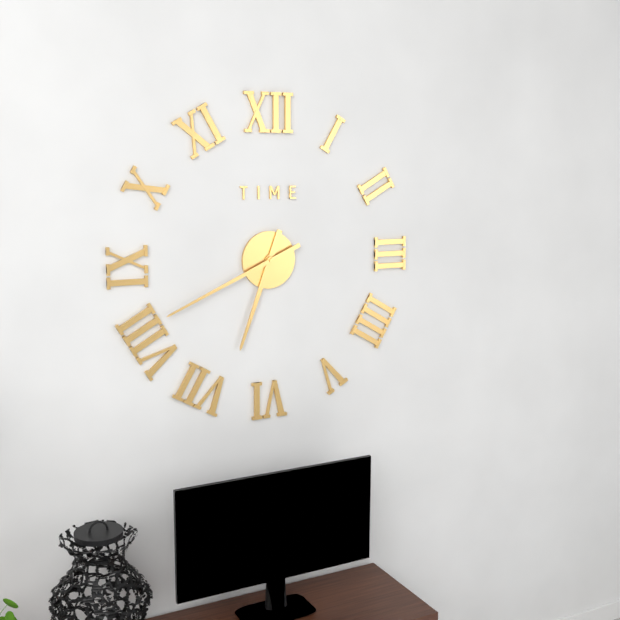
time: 6:41
